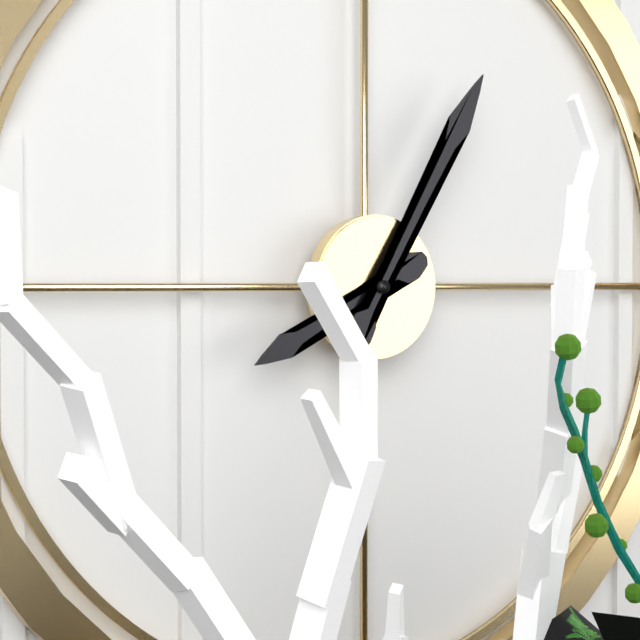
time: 8:05
